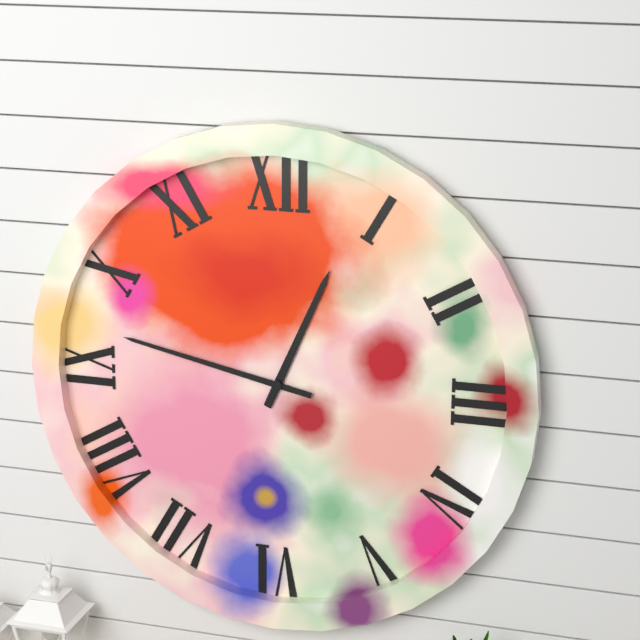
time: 12:47
